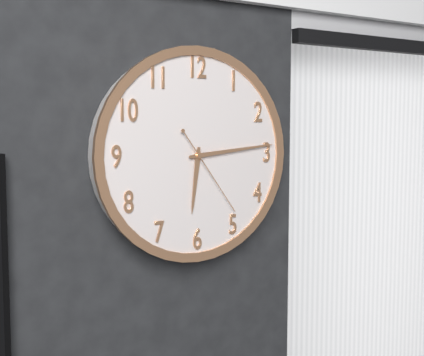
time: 6:14:24
